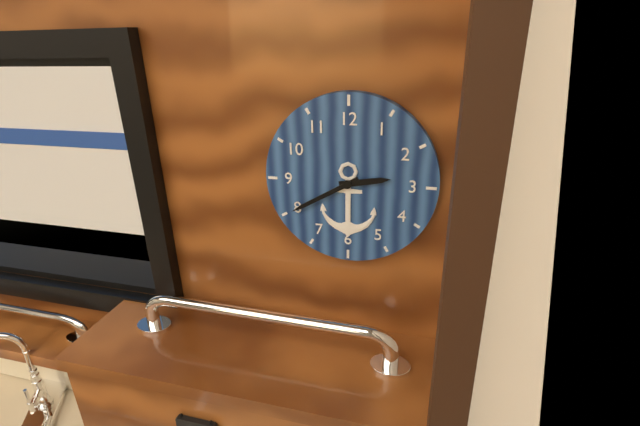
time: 2:40
